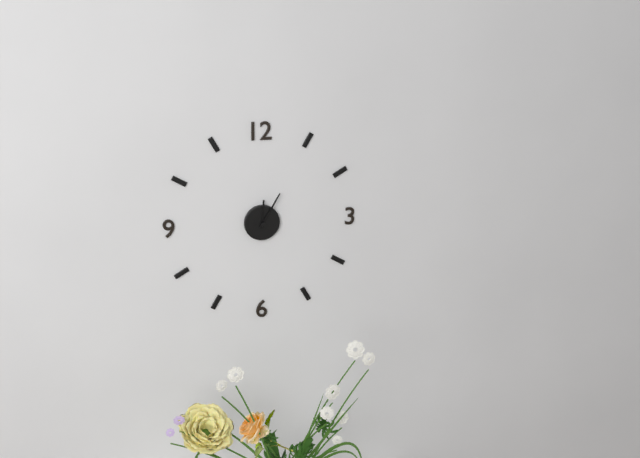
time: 12:05
